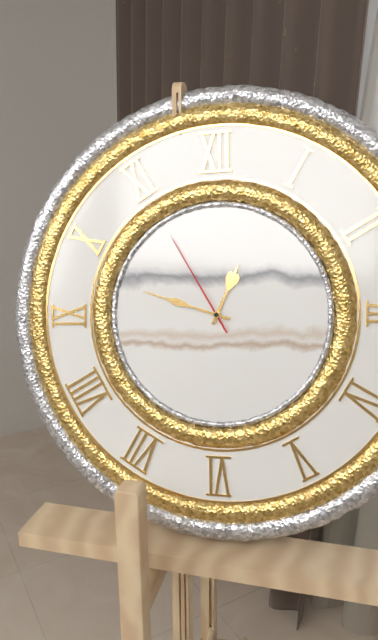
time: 12:48:55
